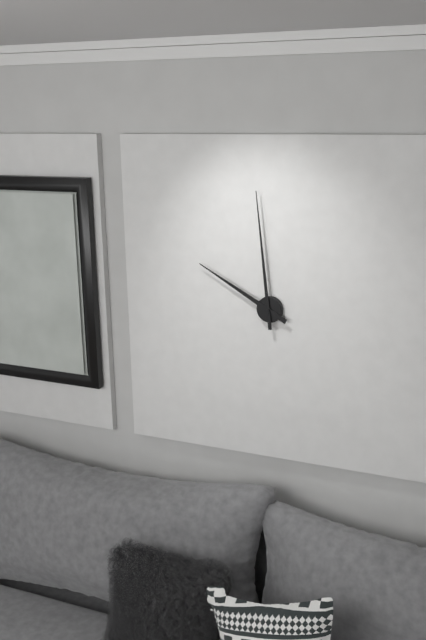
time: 9:59
